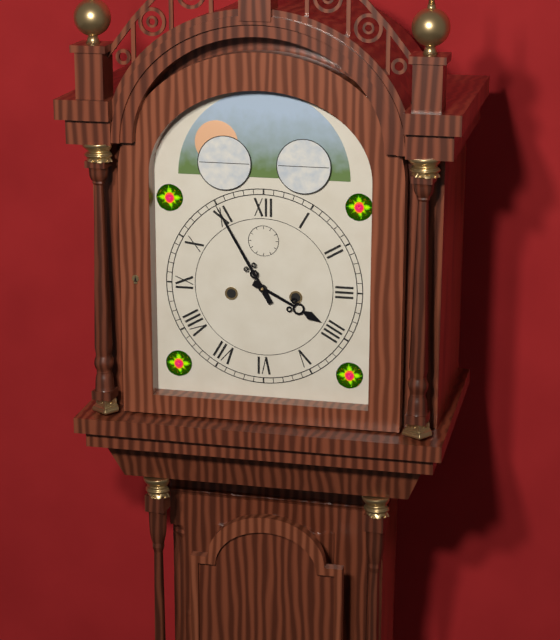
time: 3:55
